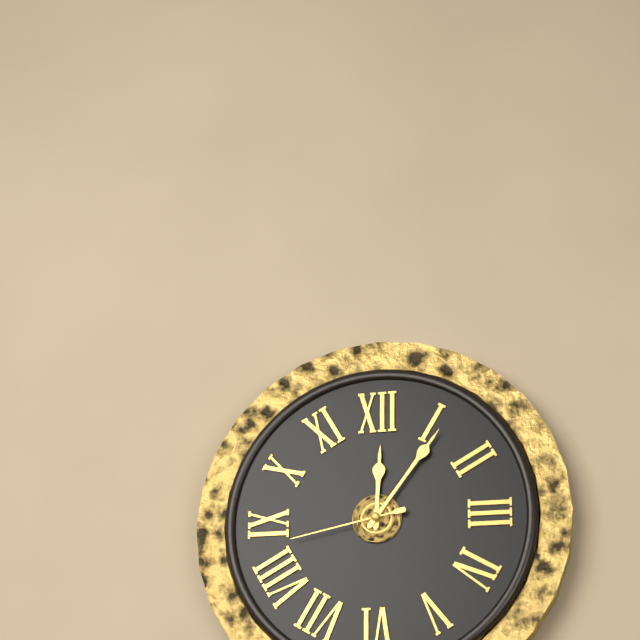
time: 12:06:43
